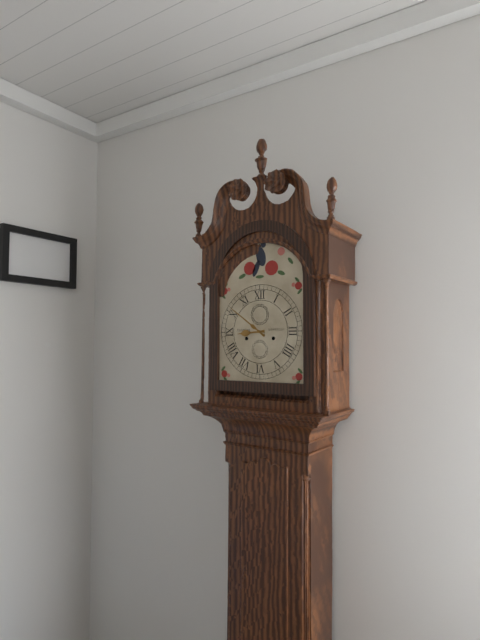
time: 8:51
